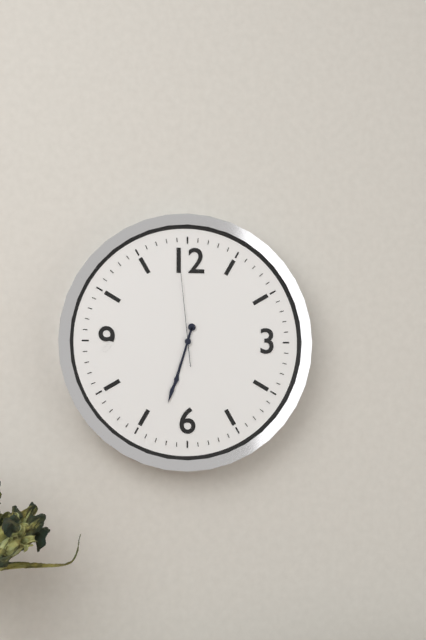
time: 6:33:59
